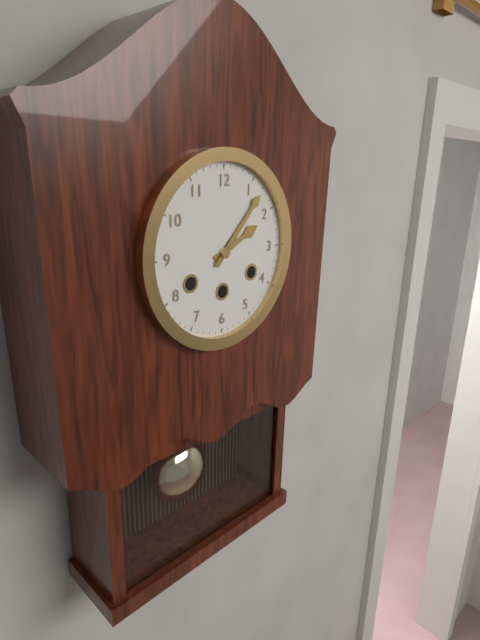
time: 2:07
